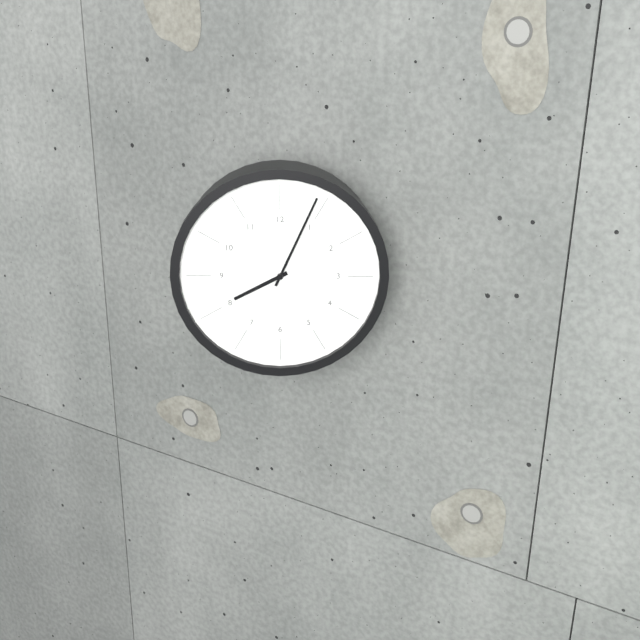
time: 8:04
